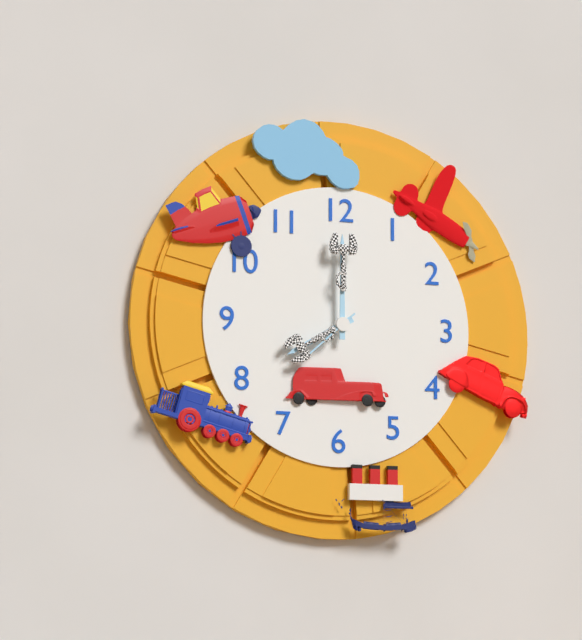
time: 8:00:38
